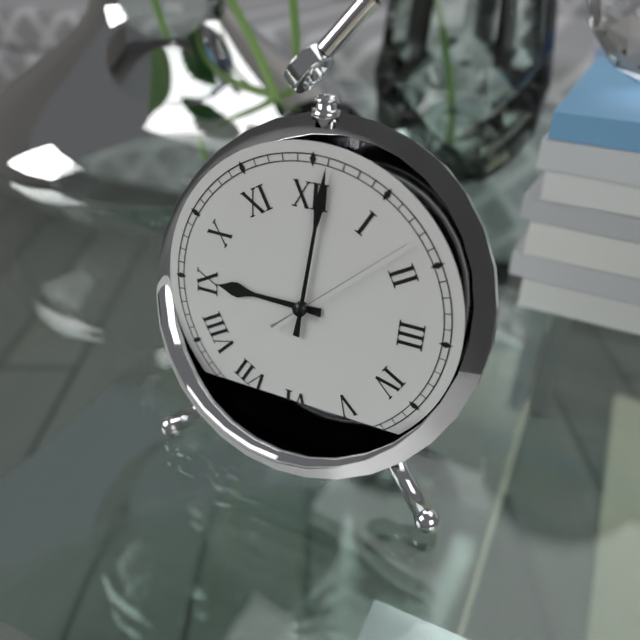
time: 9:01:08
